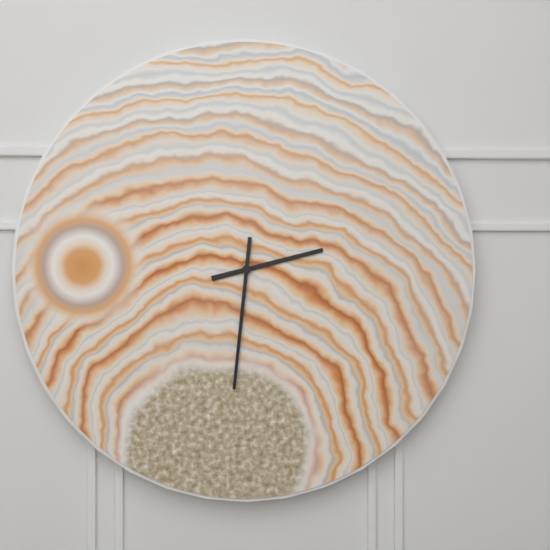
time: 2:31
